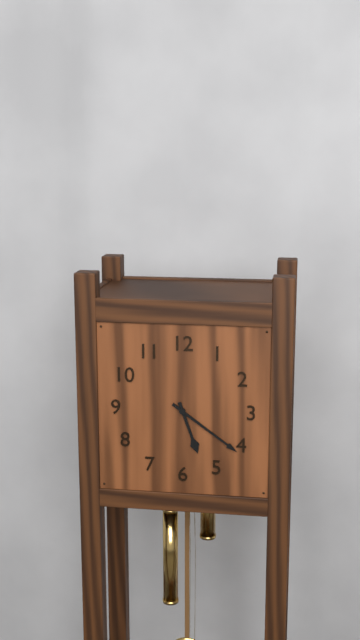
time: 5:21
